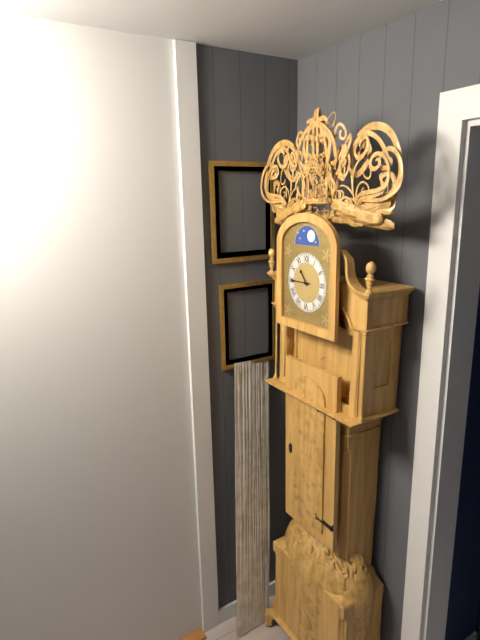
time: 10:45
